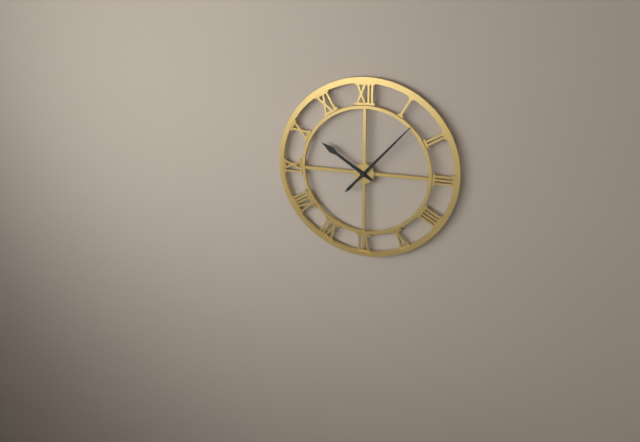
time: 10:07
